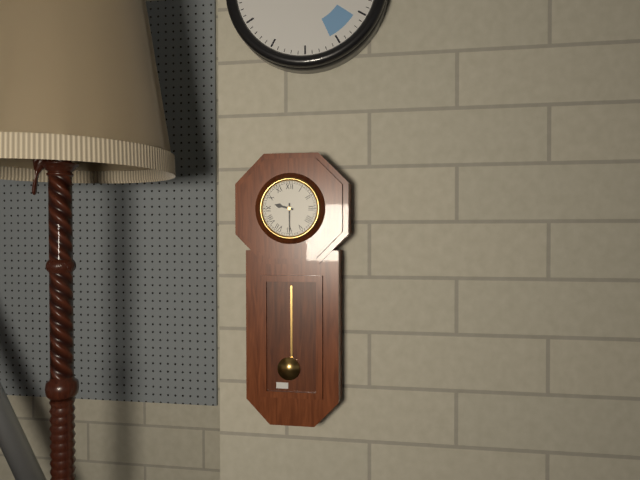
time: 9:30
